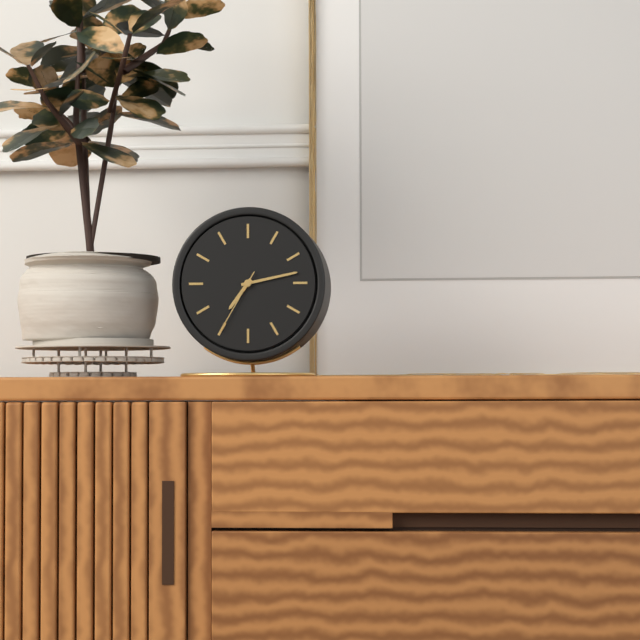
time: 7:13:35
